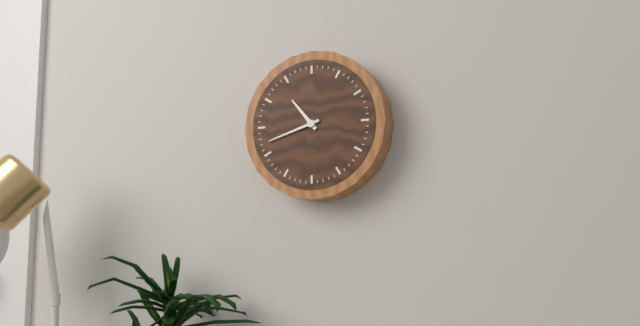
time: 10:42
